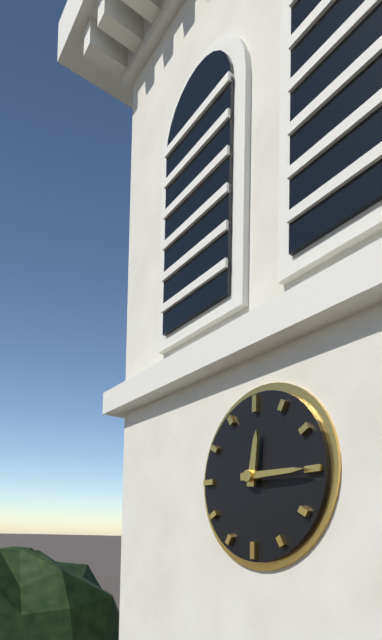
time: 12:15
